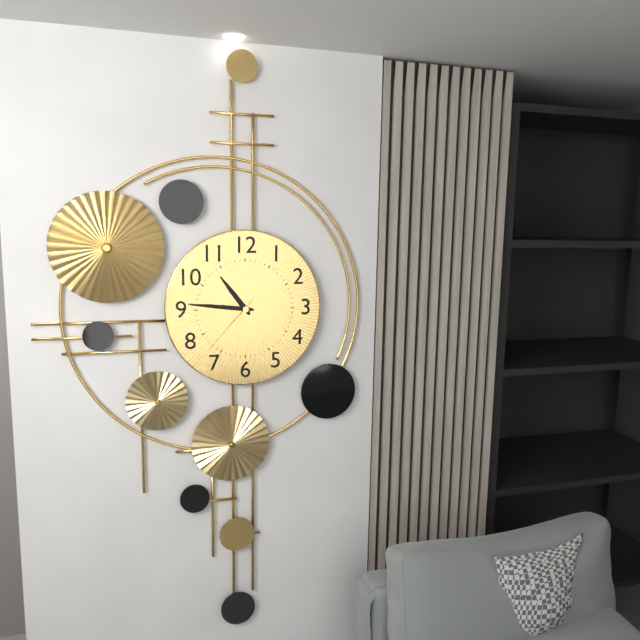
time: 10:46:37
